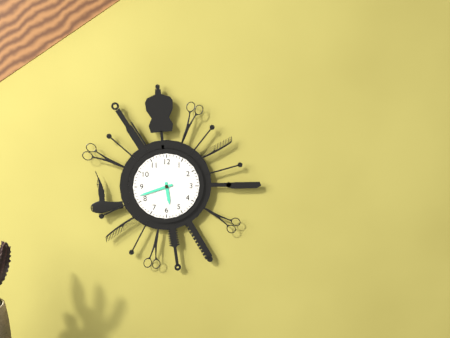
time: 5:42
